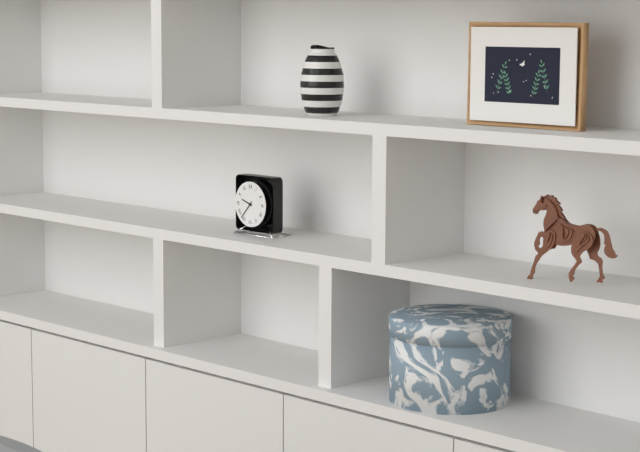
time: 9:37
